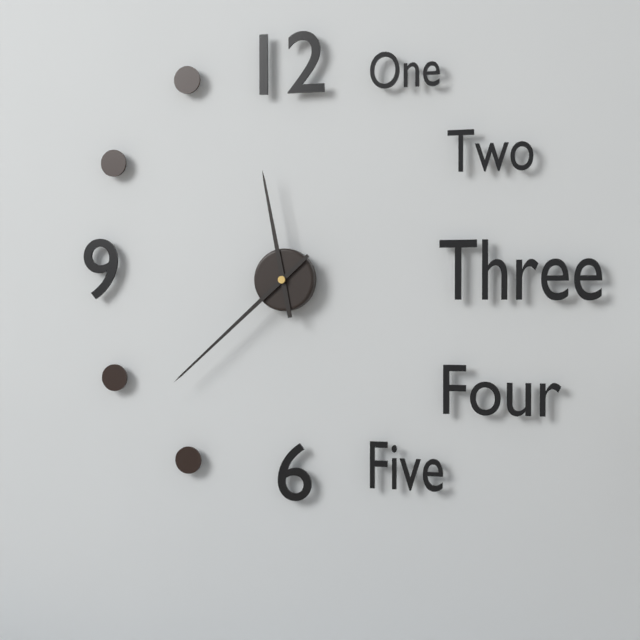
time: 11:38
